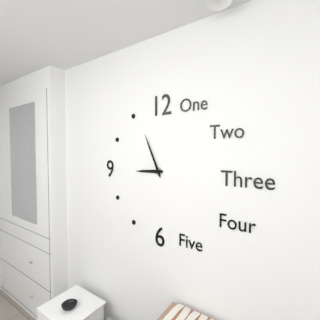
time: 8:56
